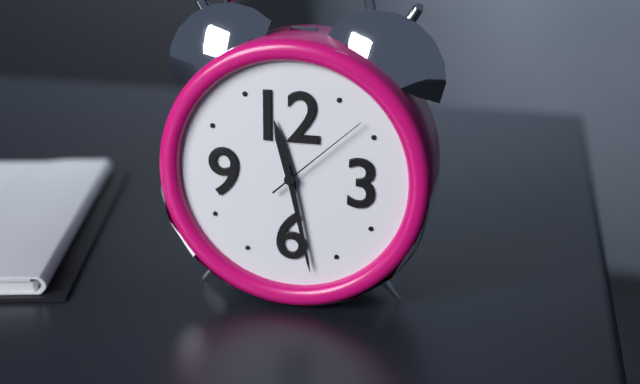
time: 11:28:08
